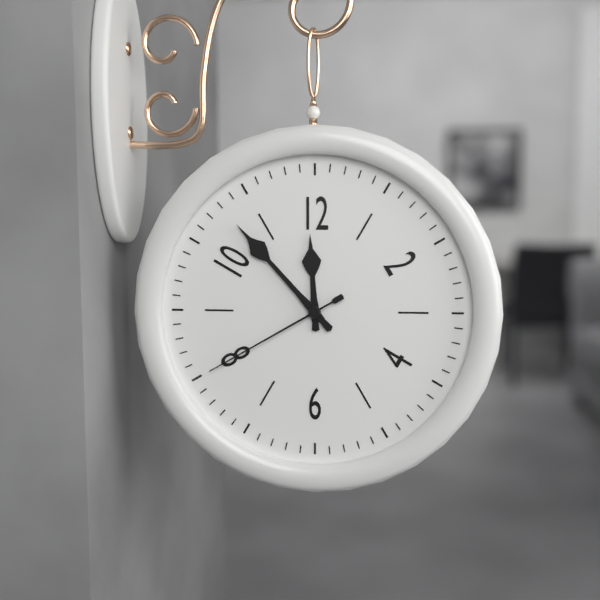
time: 11:53:40
